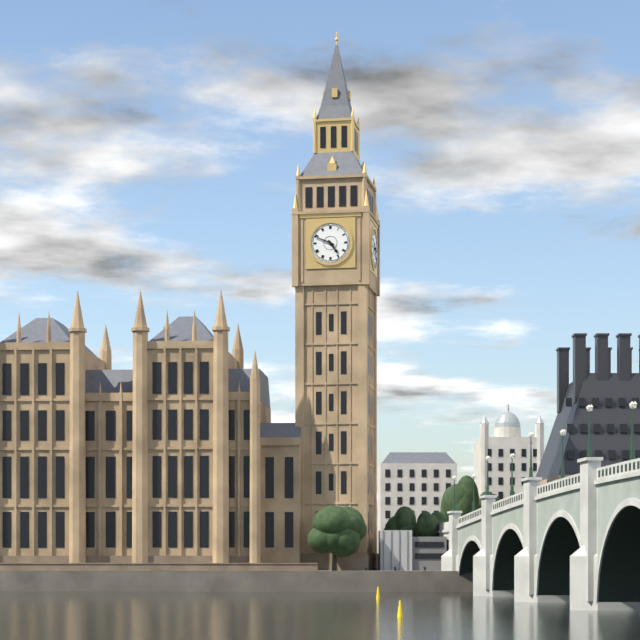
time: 4:49
